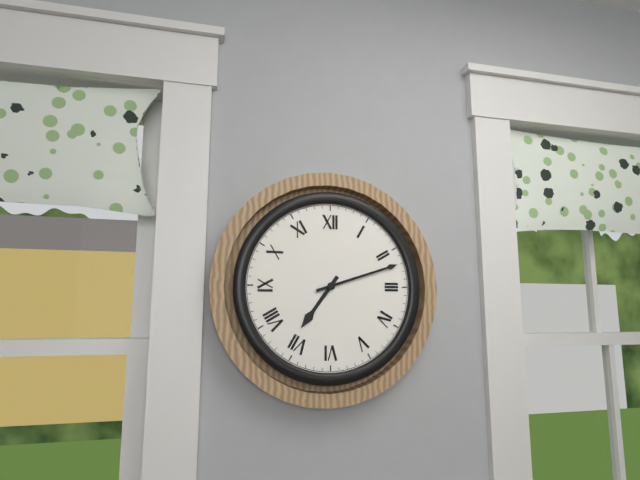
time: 7:12
